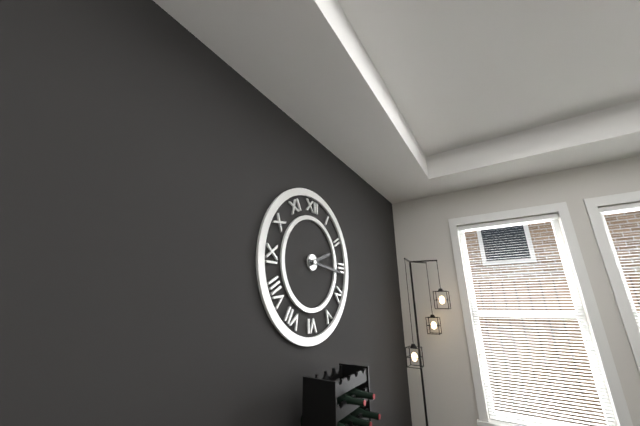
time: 2:16
